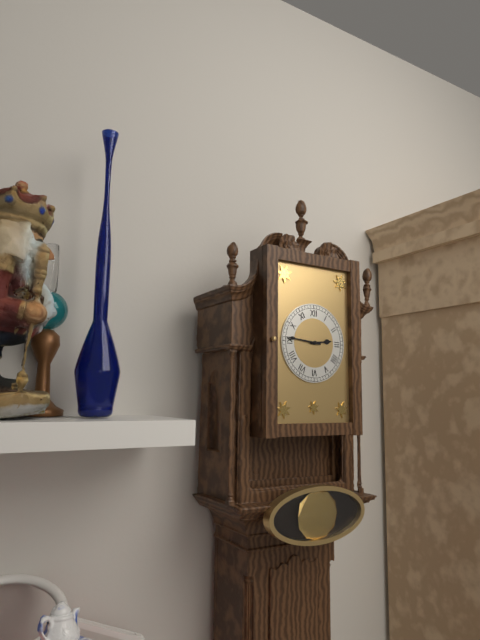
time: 2:46
